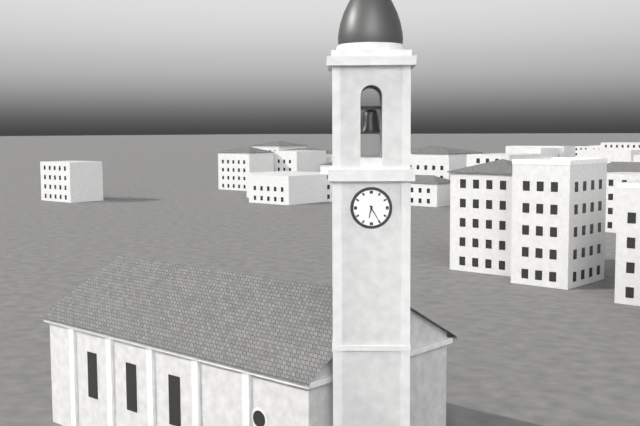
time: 6:25
